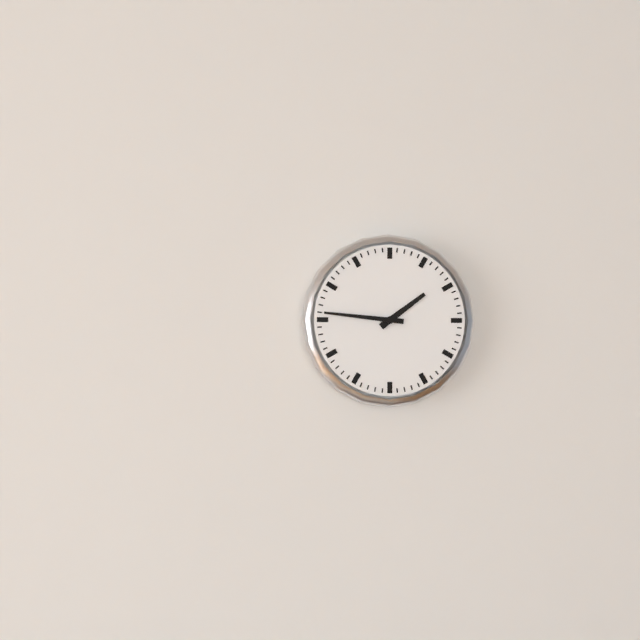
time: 1:46
